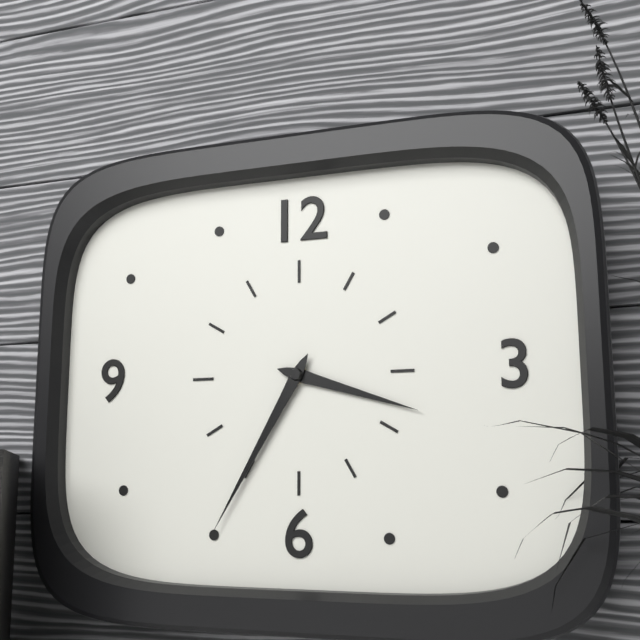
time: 3:35
